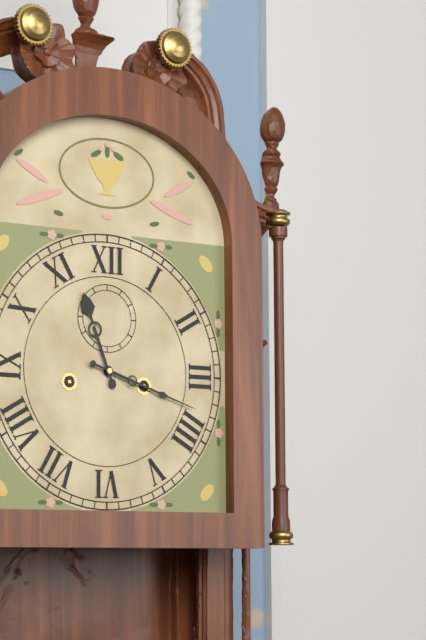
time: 11:18
